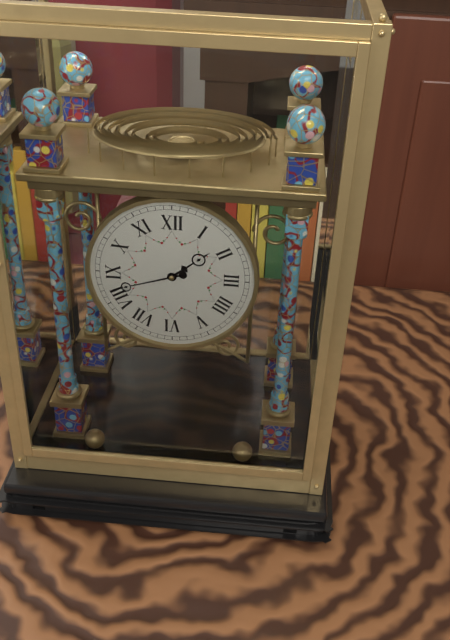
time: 1:42
